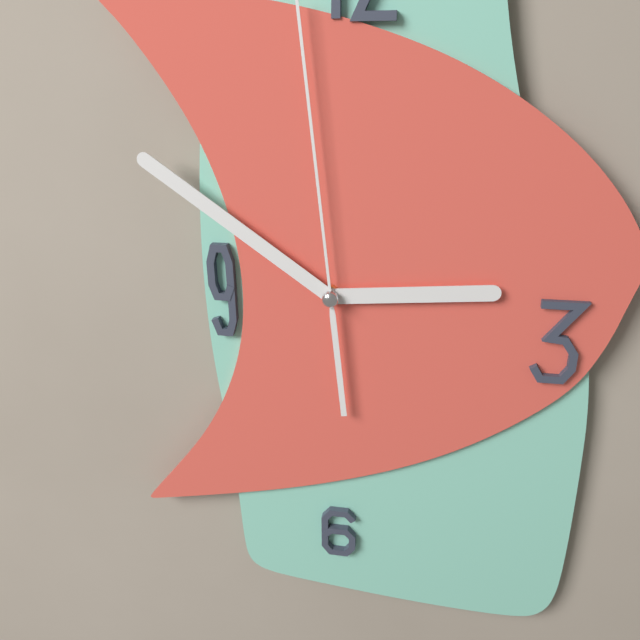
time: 2:51
